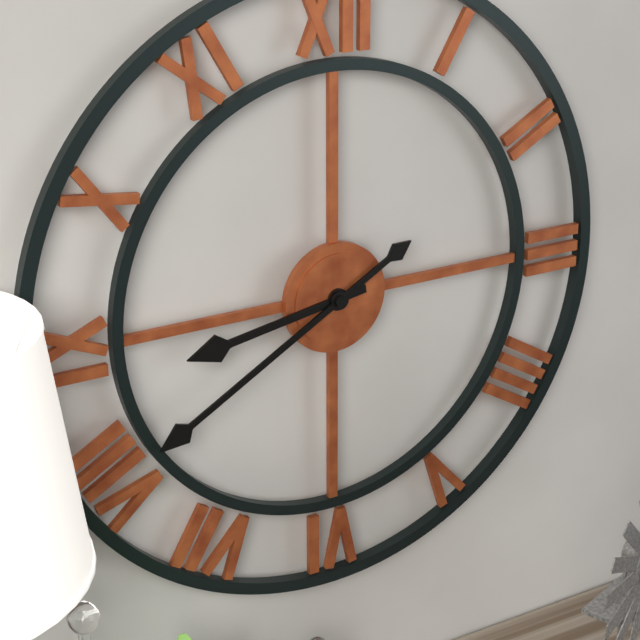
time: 8:40
